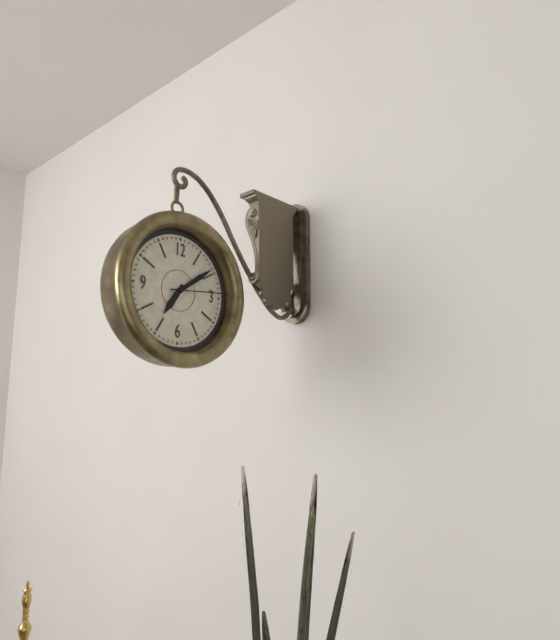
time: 7:09
